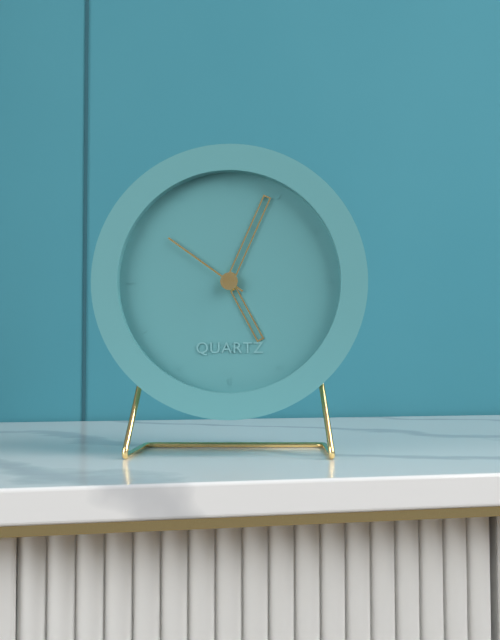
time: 5:04:51
